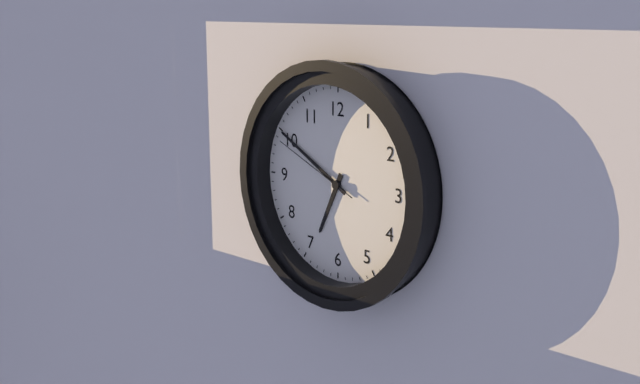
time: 6:50:49
